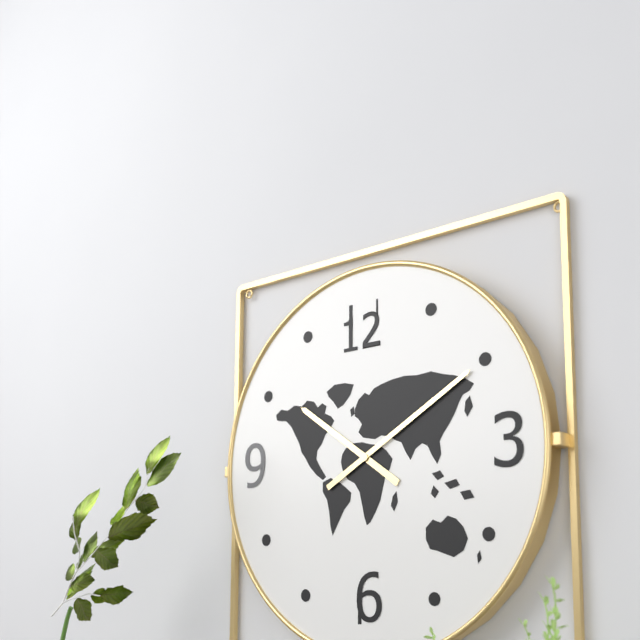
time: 10:10
